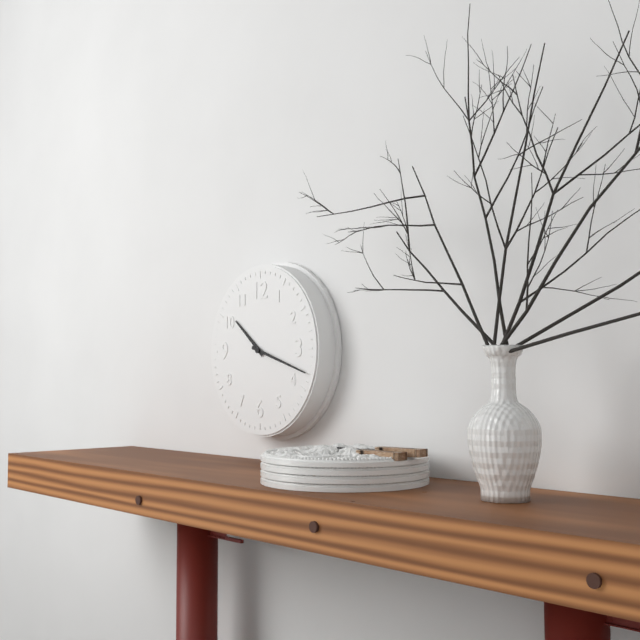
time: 10:18
